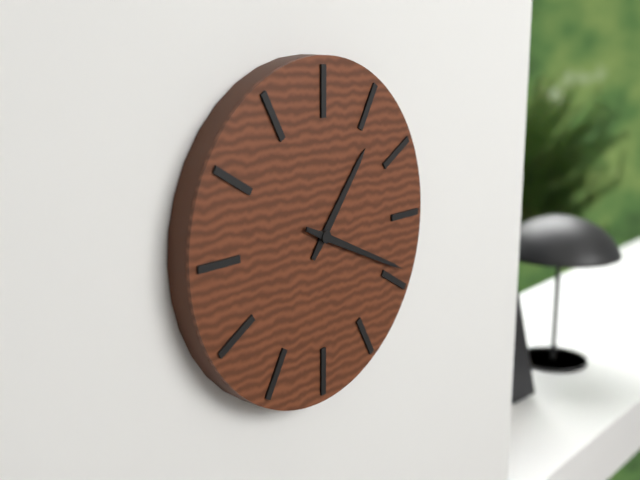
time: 1:19
